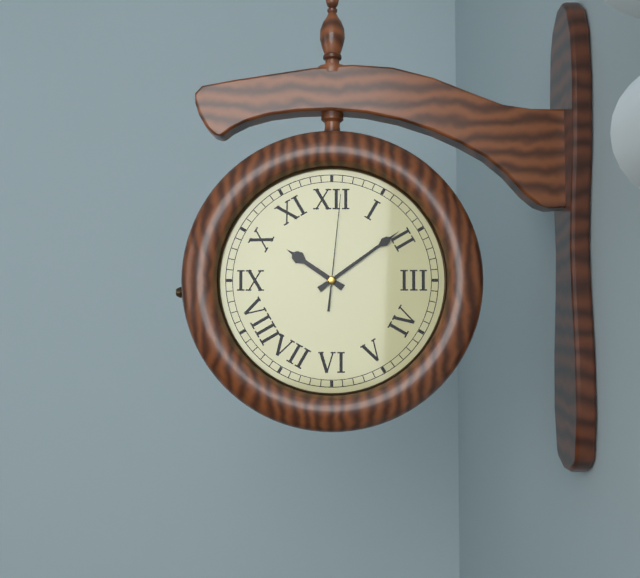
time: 10:09:01
